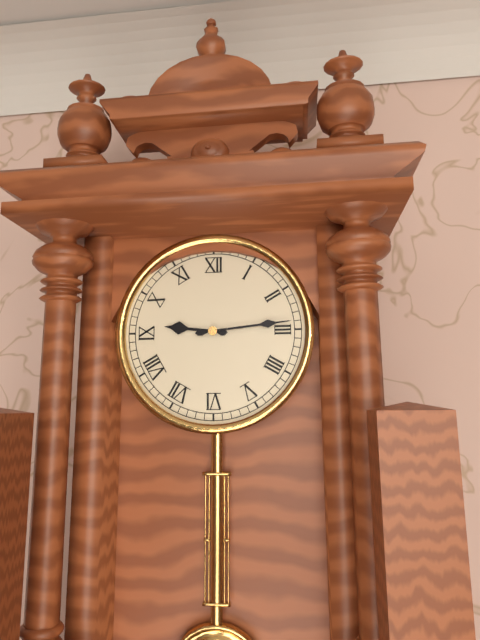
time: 9:14
